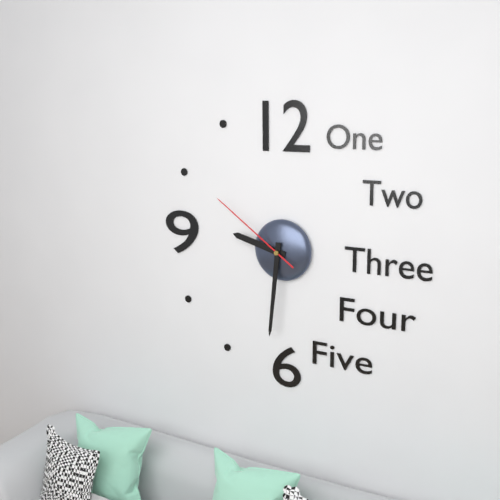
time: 9:31:51
